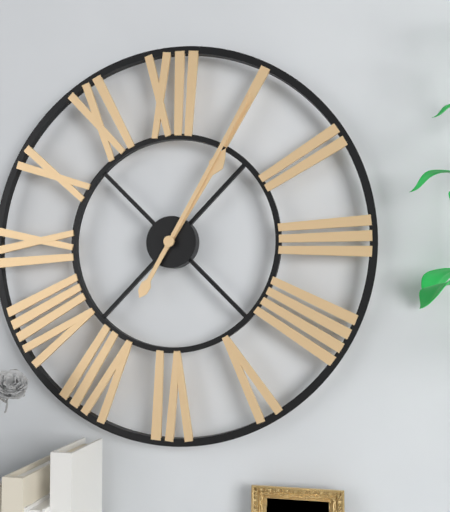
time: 1:05
